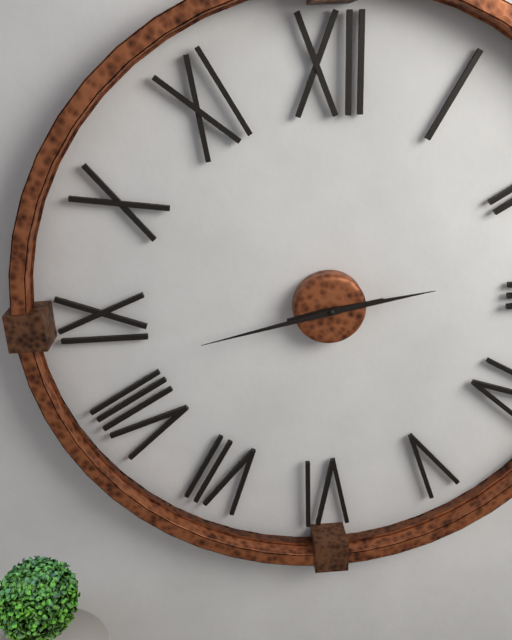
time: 2:43
